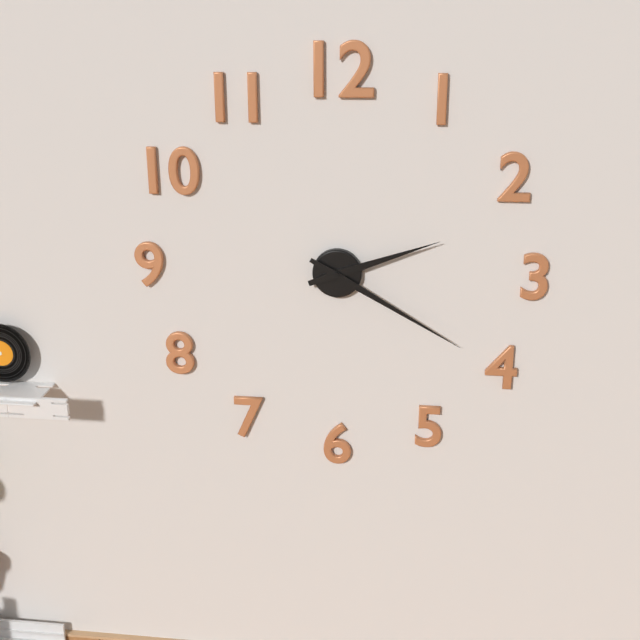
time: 2:20
